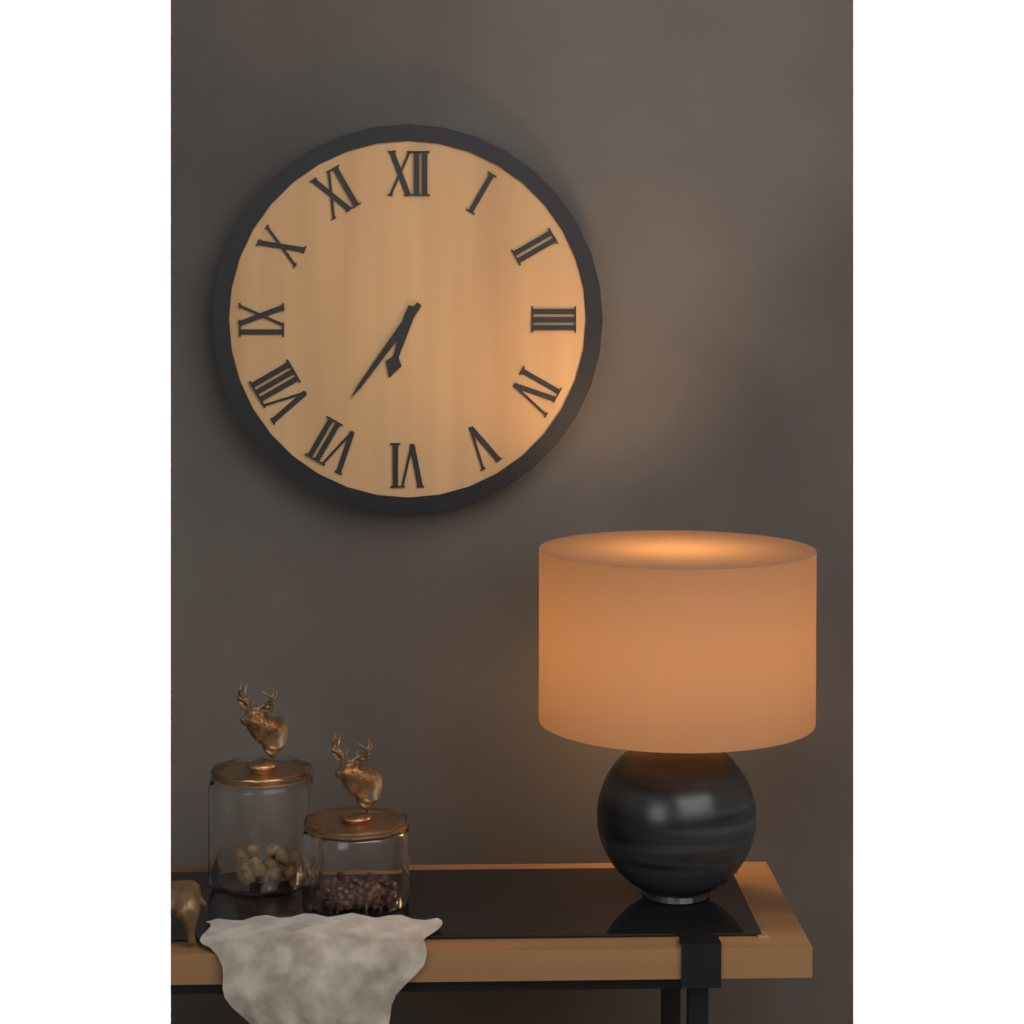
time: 6:36
